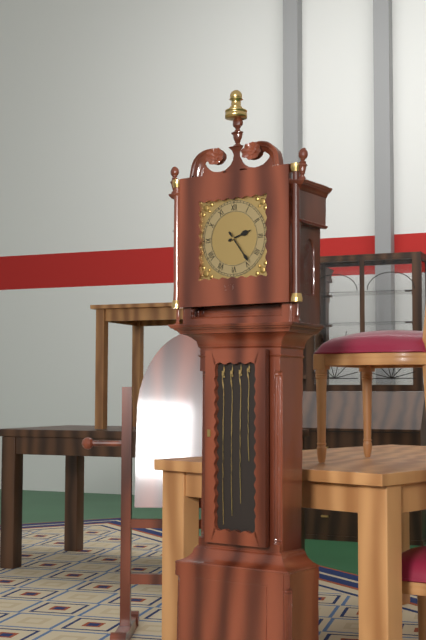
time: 2:24
